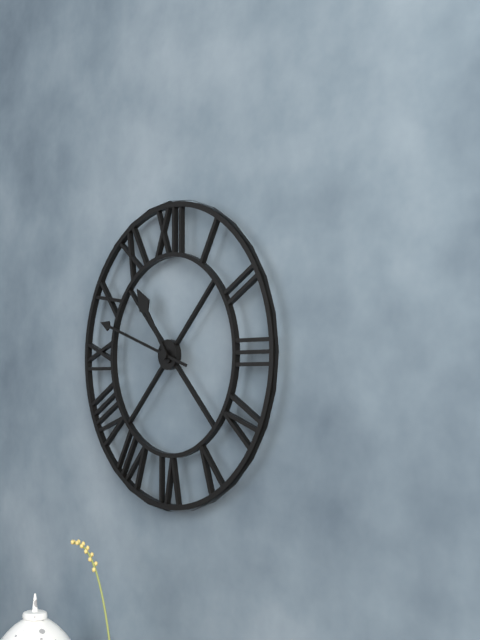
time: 10:48
